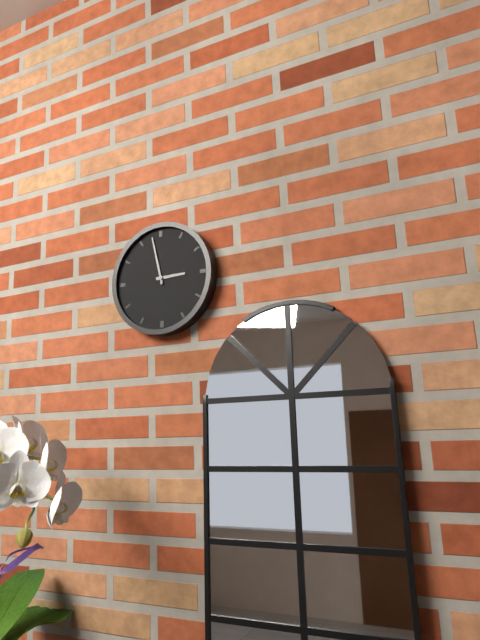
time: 2:58
